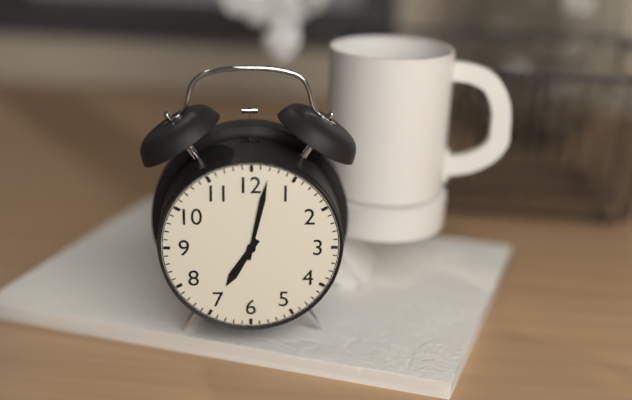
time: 7:02
